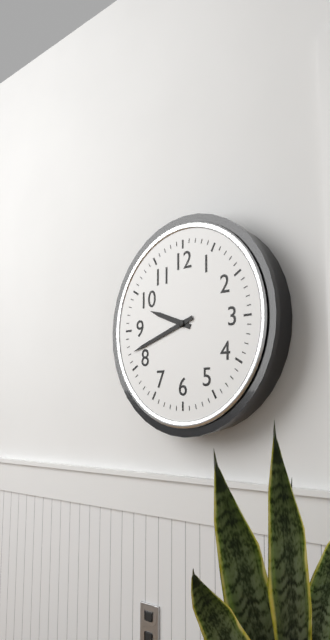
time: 9:42
